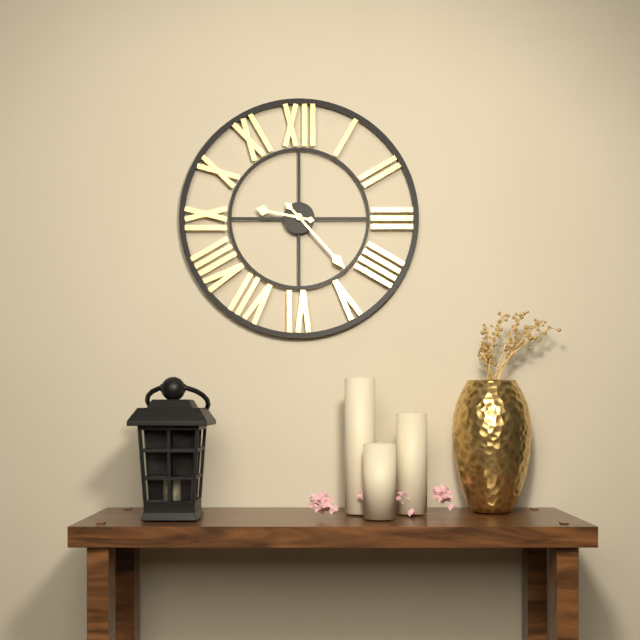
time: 9:23
